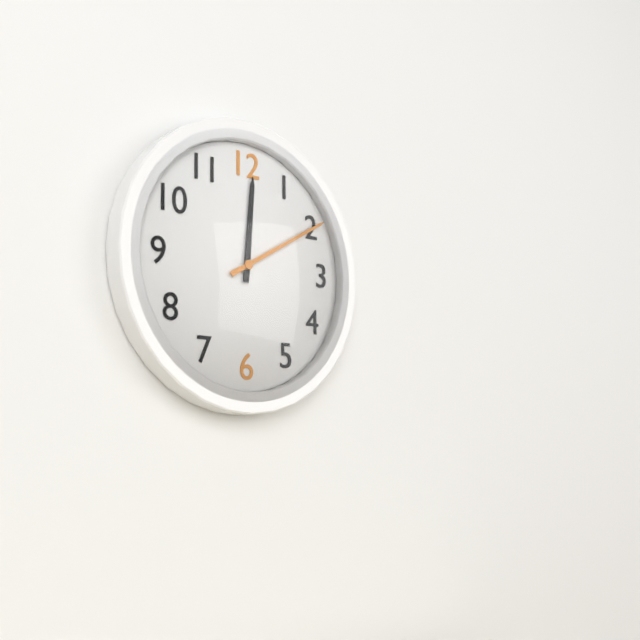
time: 12:10
